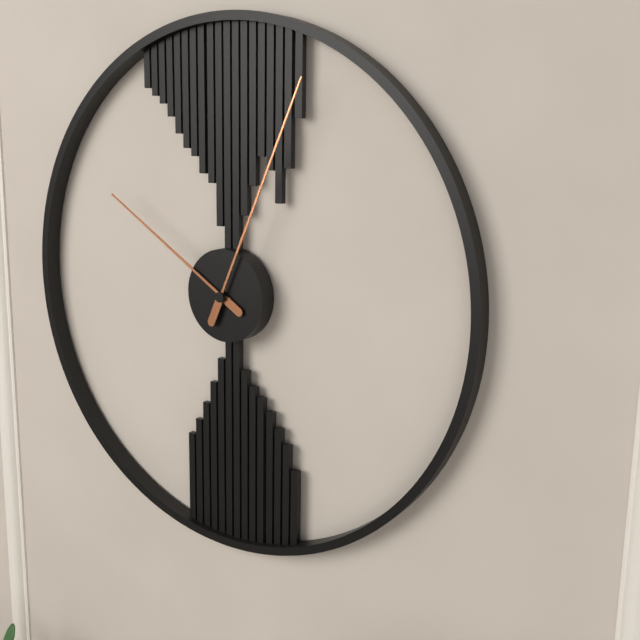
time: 10:04
